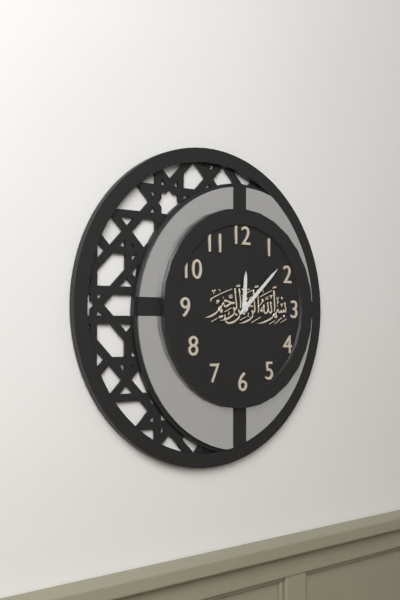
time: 12:08
